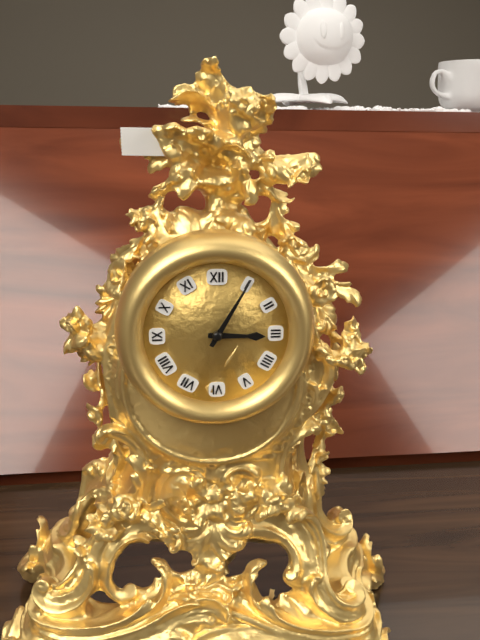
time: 3:05
